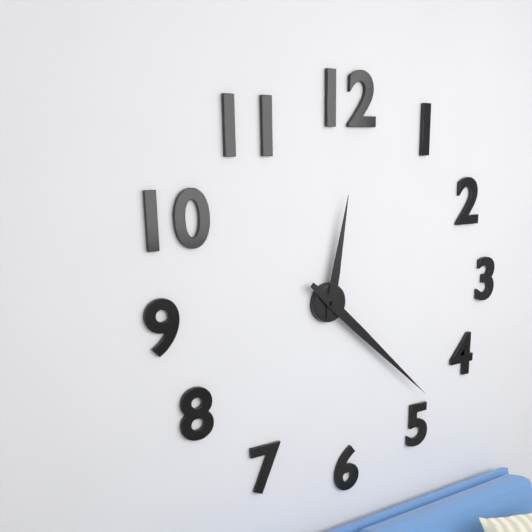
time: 12:22
